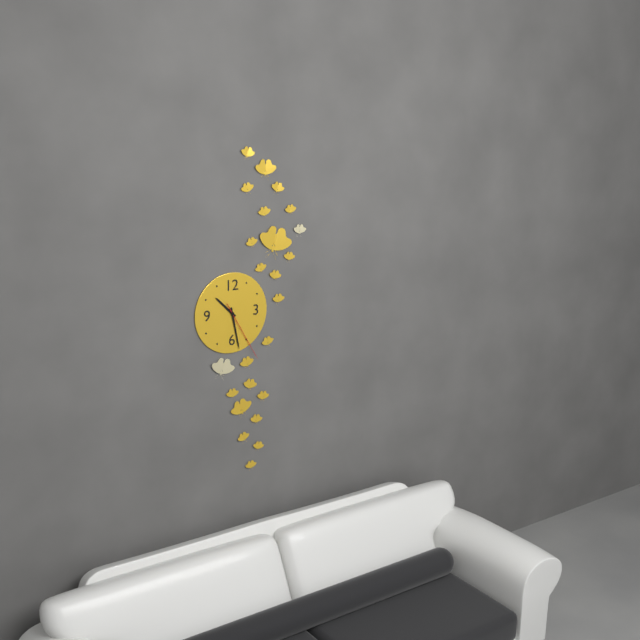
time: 10:28:25
